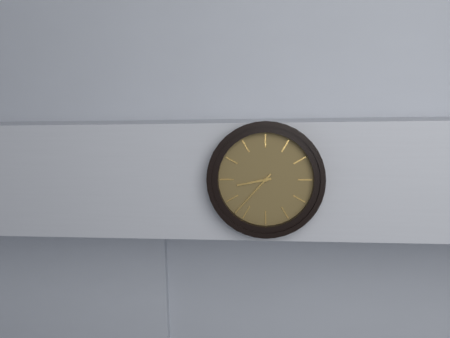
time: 8:37
